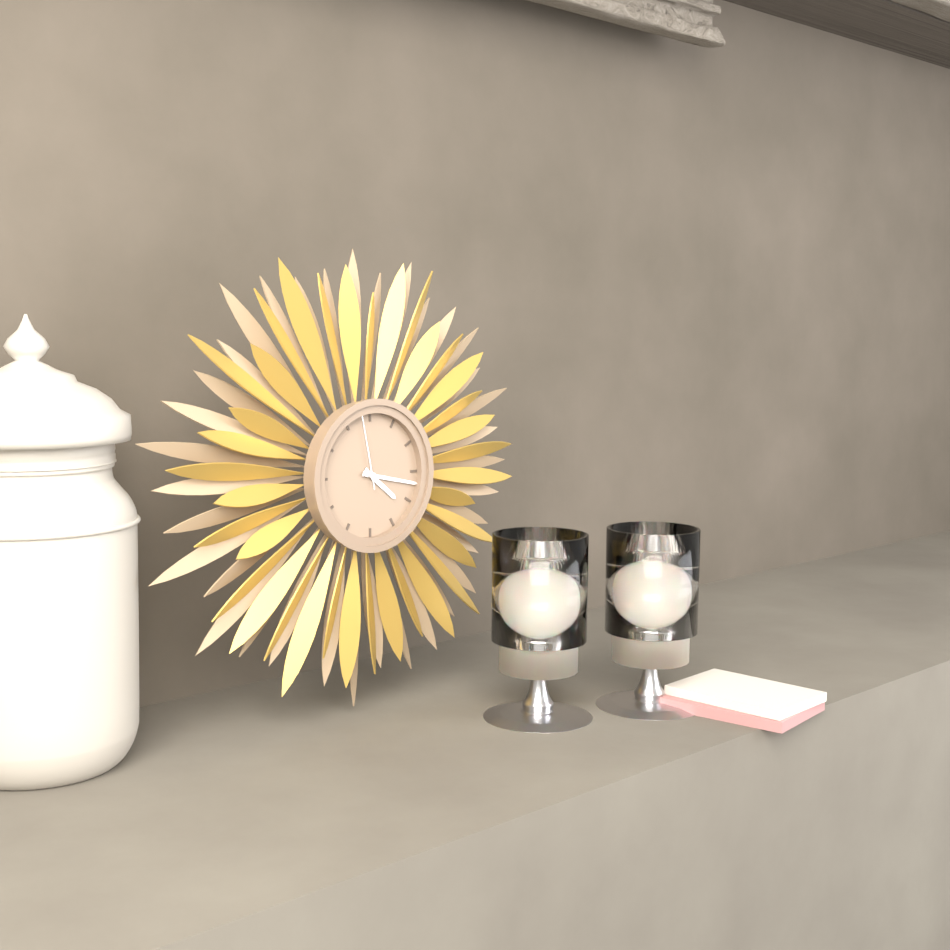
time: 4:17:58
